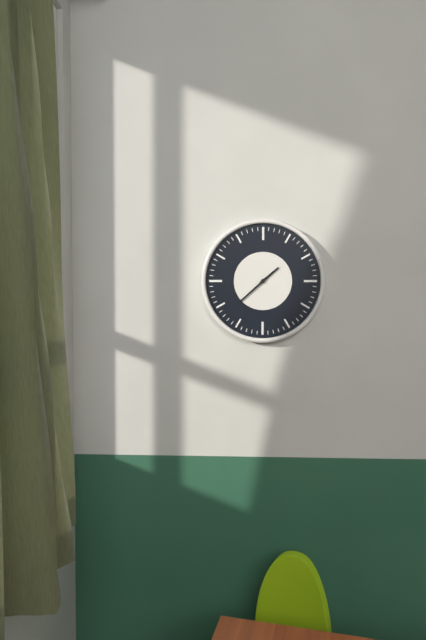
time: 1:38
